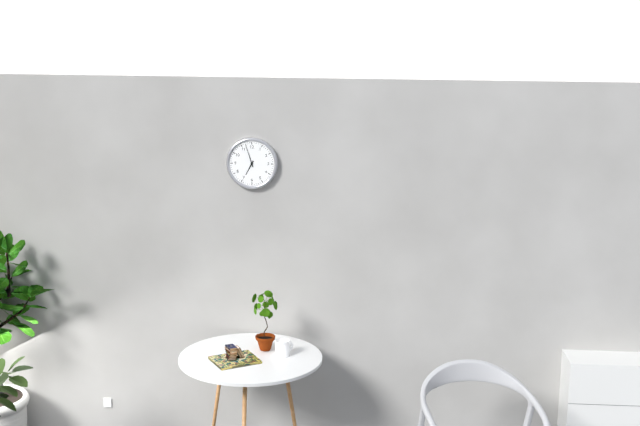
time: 6:57
